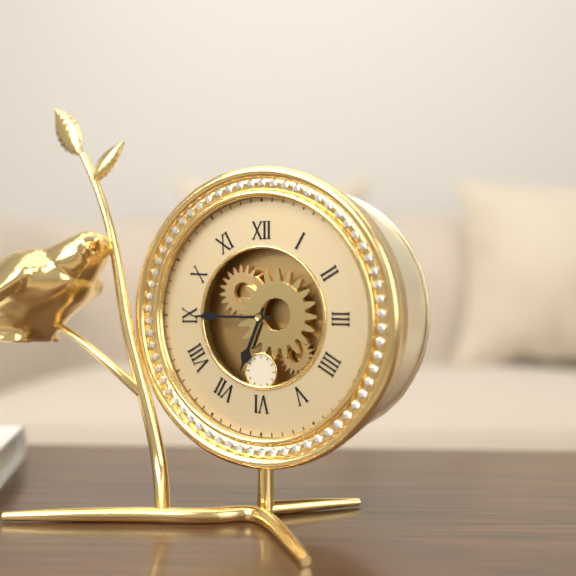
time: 6:45
